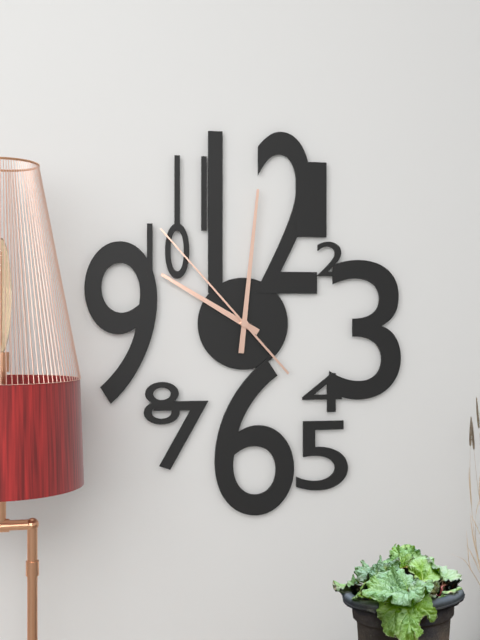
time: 10:01:53
